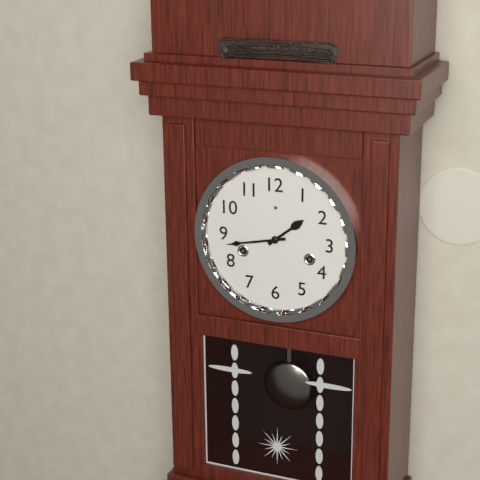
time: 1:43
